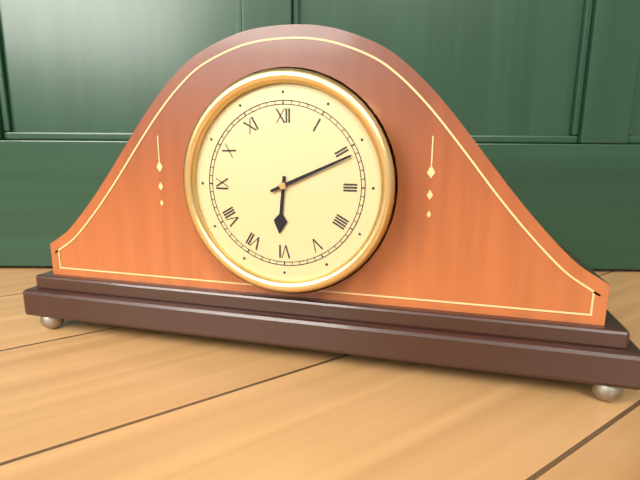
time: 6:11
